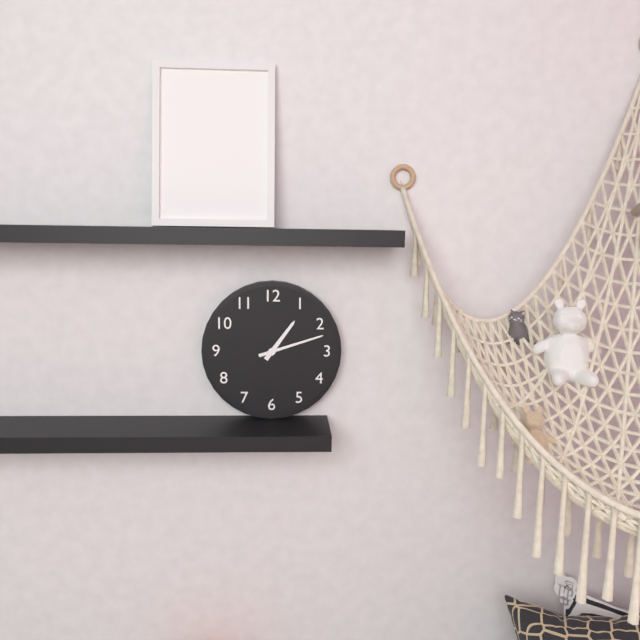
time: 1:12
